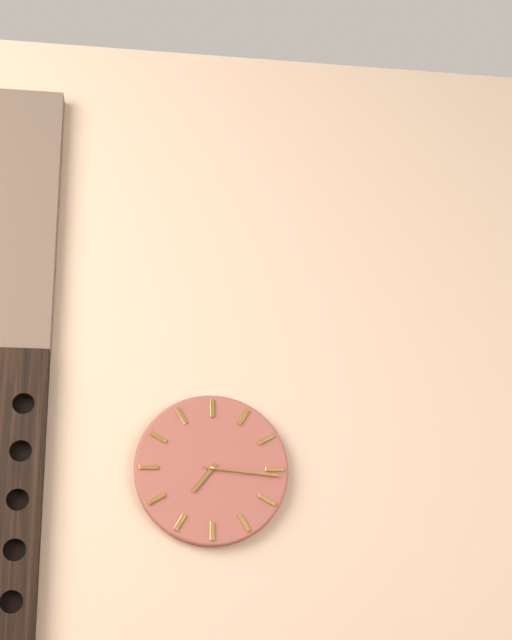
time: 7:16
